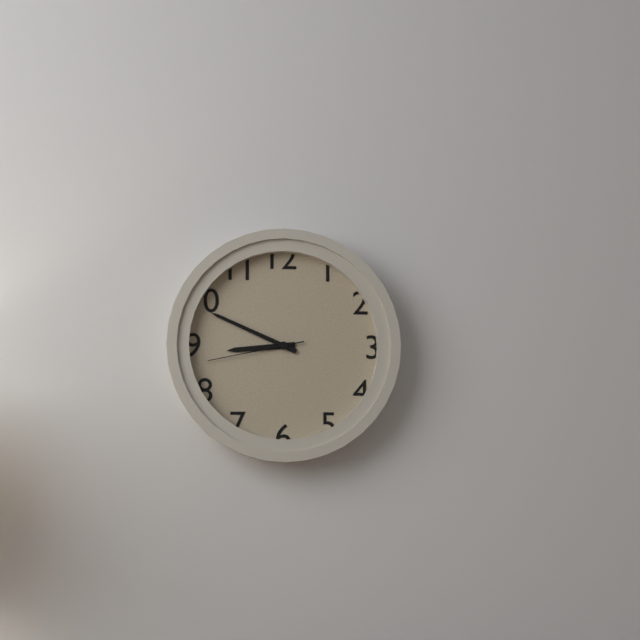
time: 8:49:43
